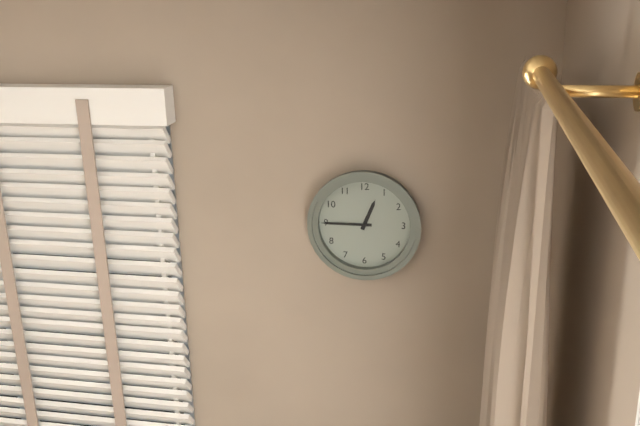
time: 12:45
